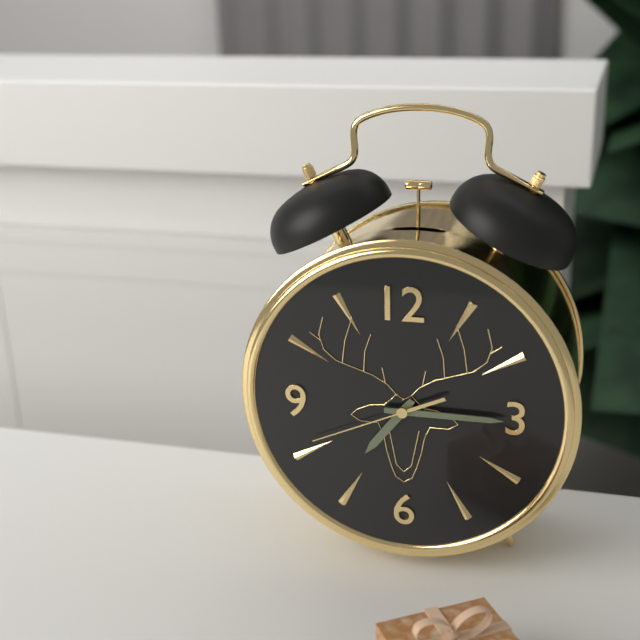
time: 7:15:41
